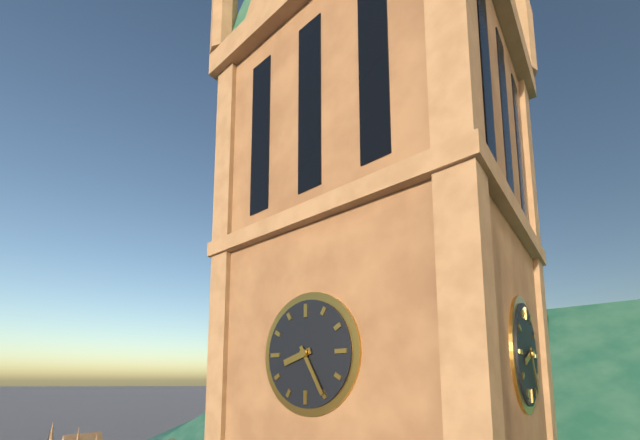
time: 8:25
